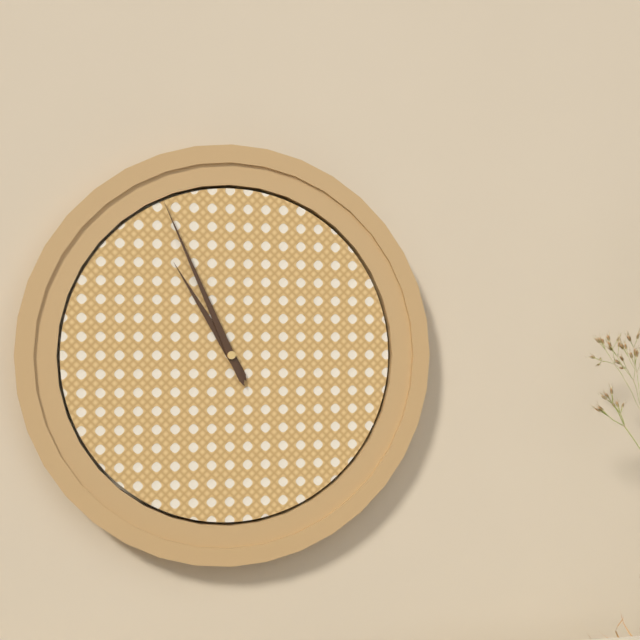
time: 10:56
